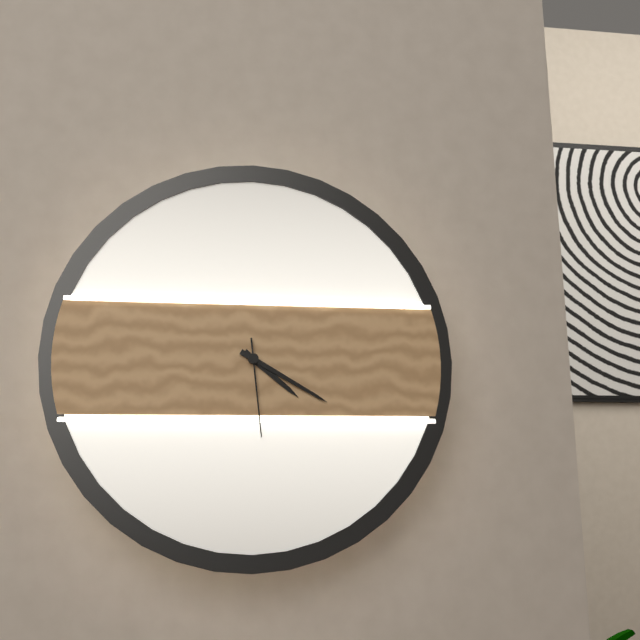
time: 4:20:29
